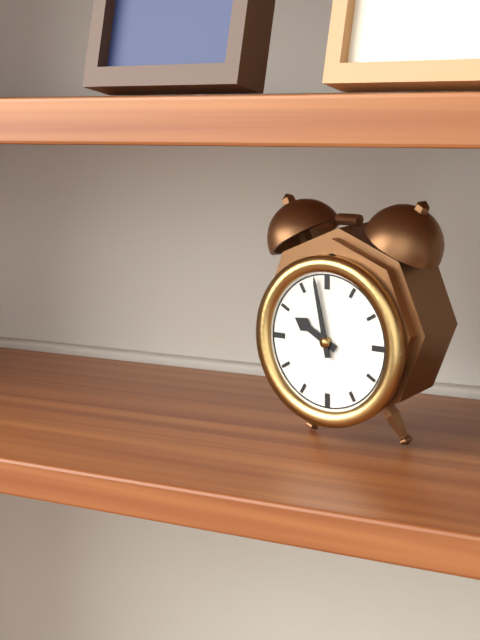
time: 9:58
